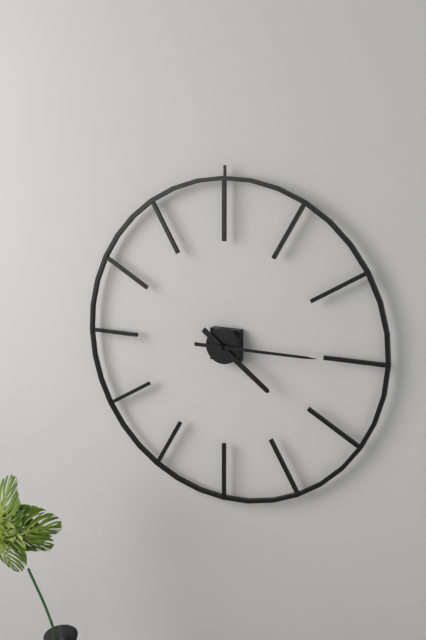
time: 4:15
